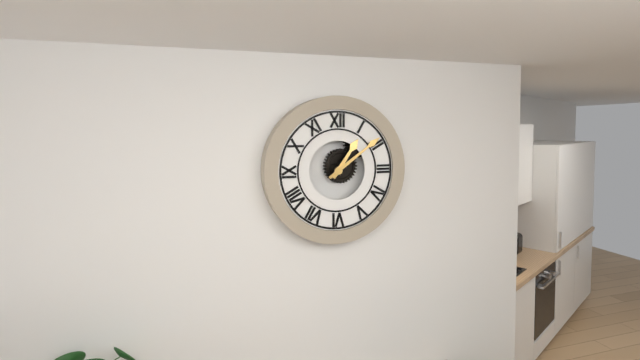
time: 1:09
